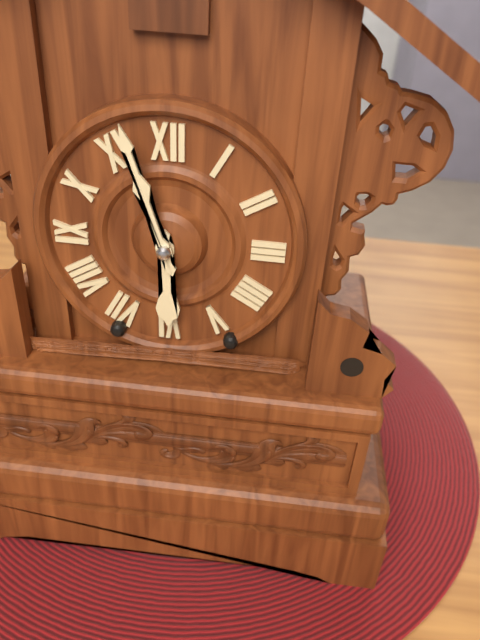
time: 5:57
